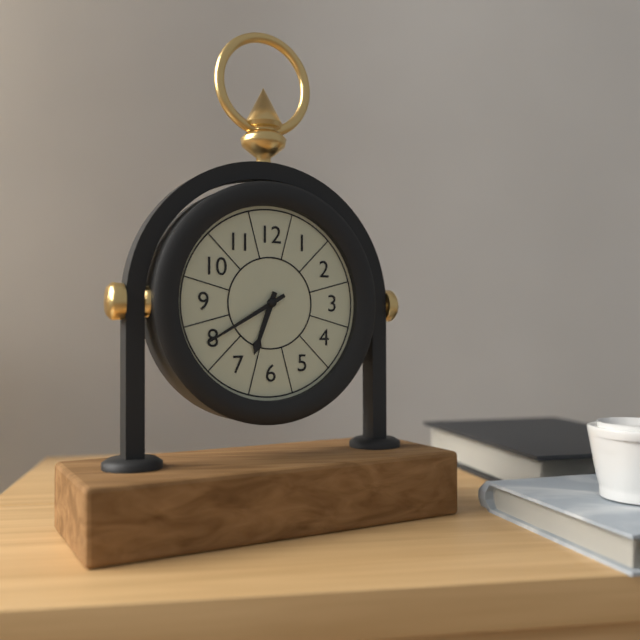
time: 6:40
